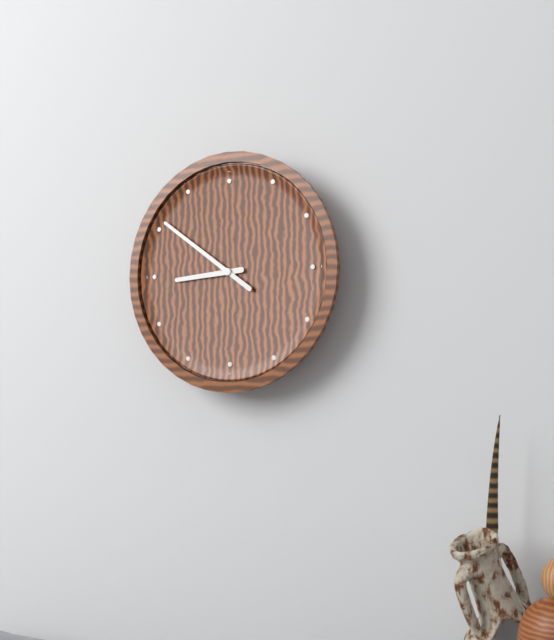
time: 8:51
